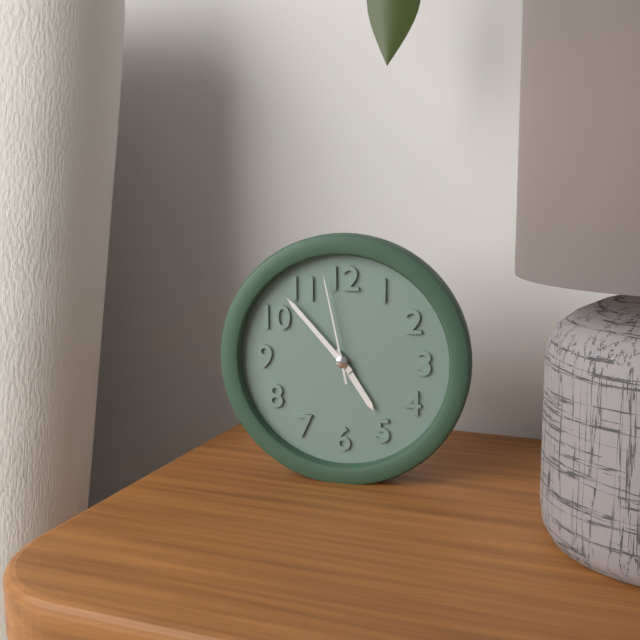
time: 4:53:58
